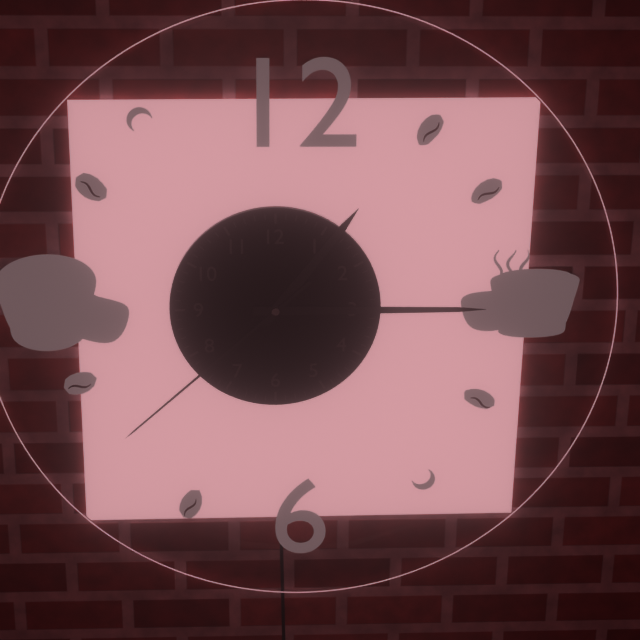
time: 1:15:38
